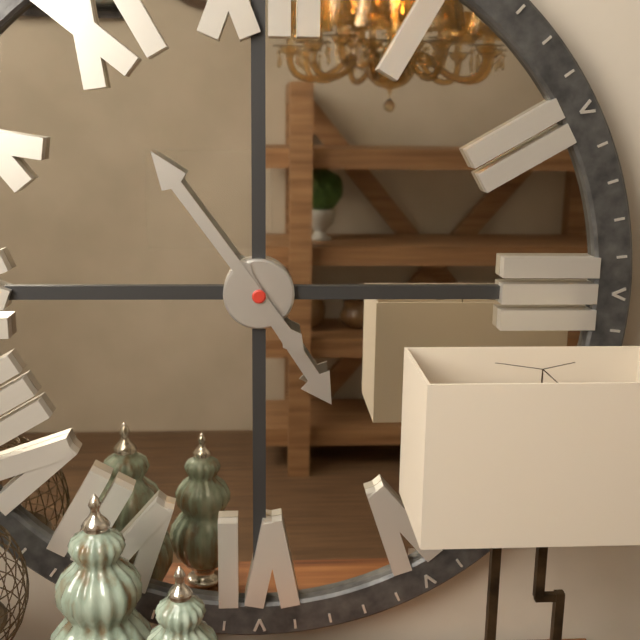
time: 4:54
